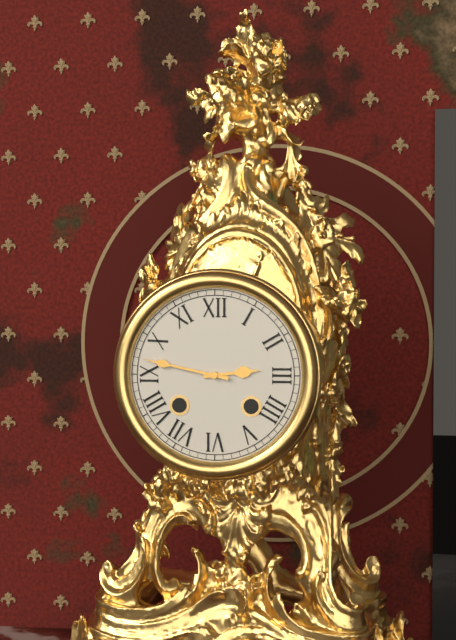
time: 2:47
